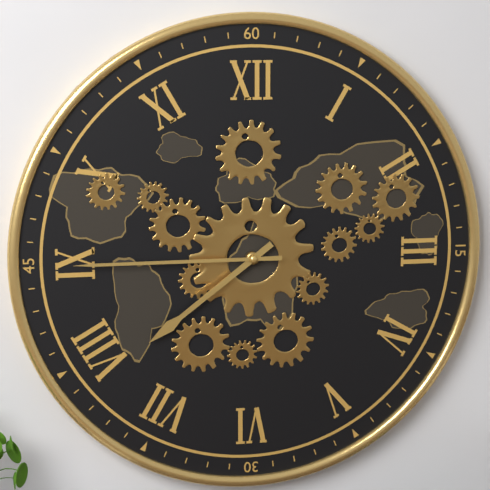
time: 7:45
